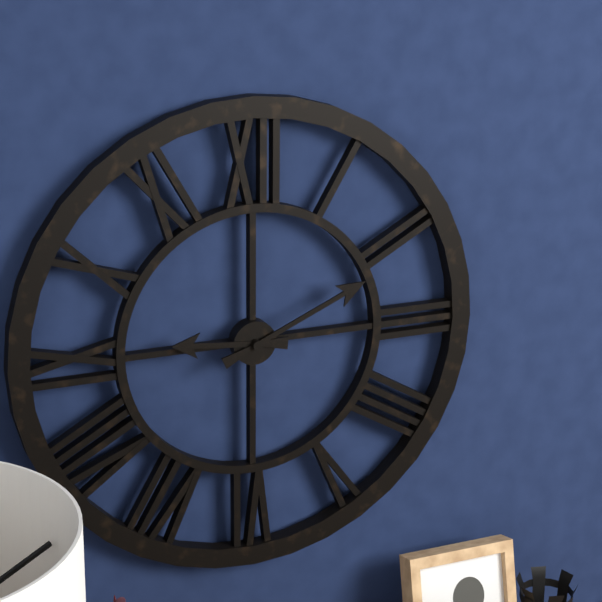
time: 9:11
